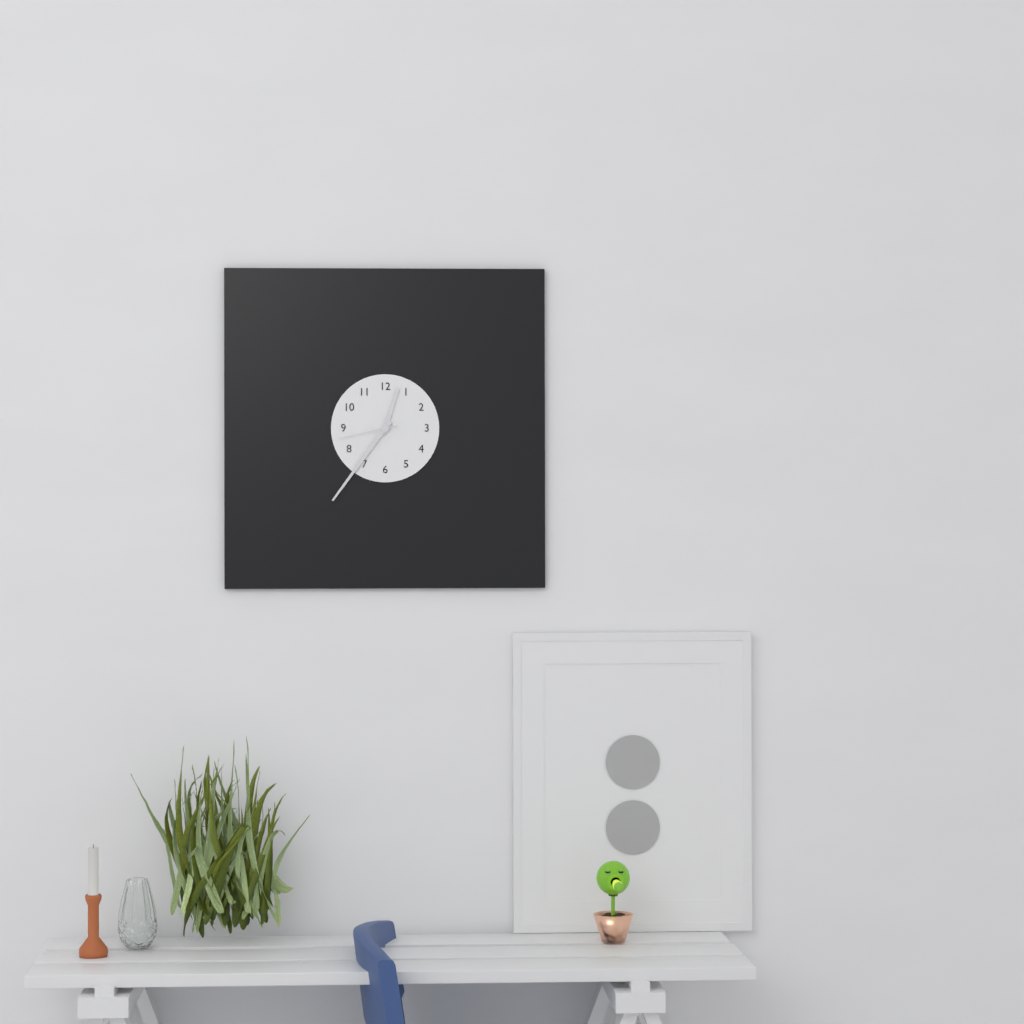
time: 12:36:43
